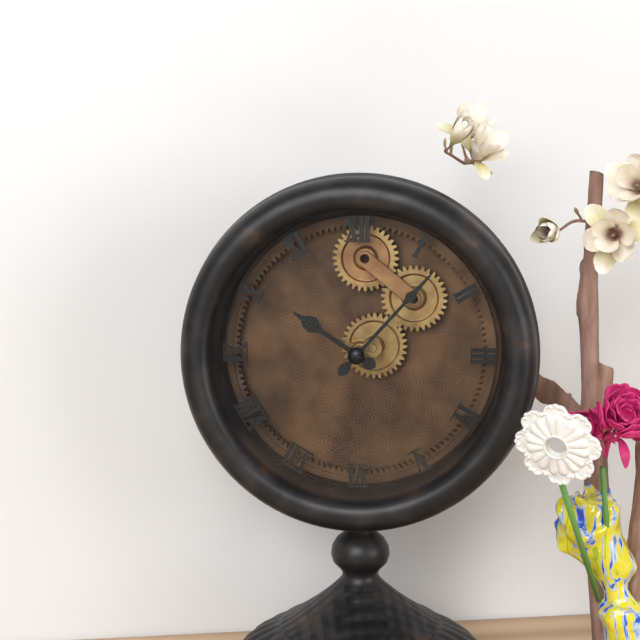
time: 10:07
